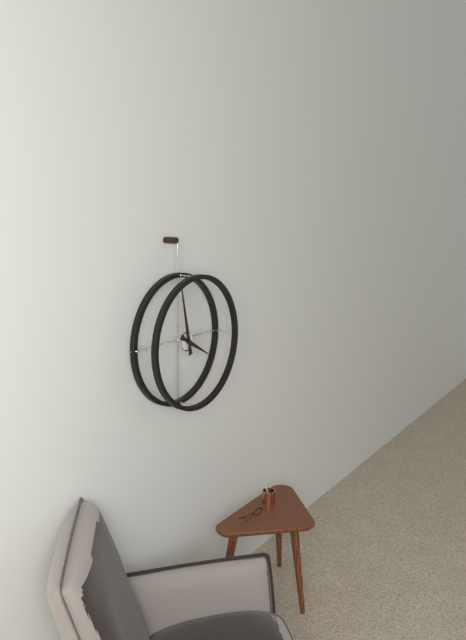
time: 3:58
